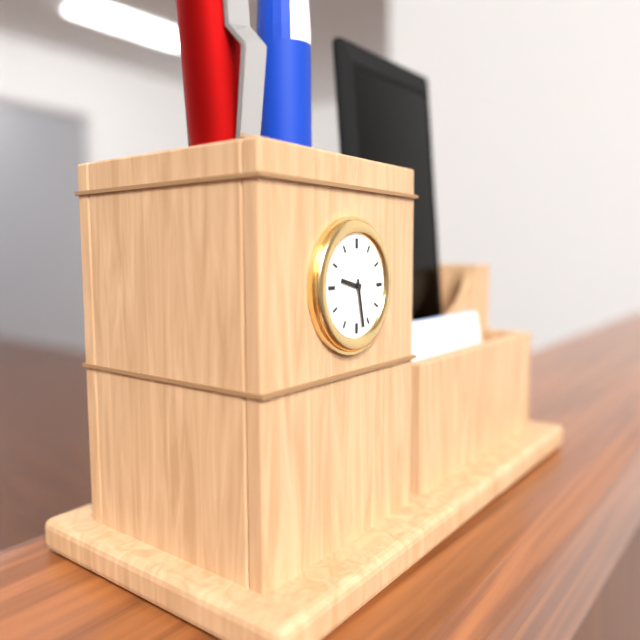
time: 9:28
